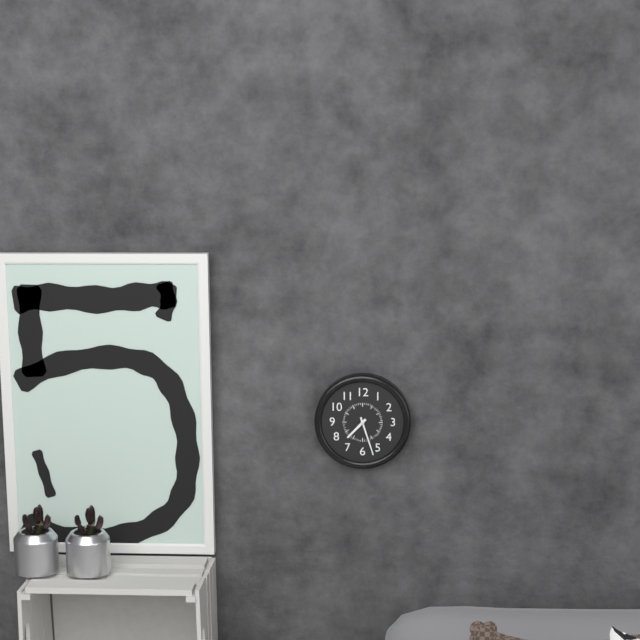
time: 7:27
